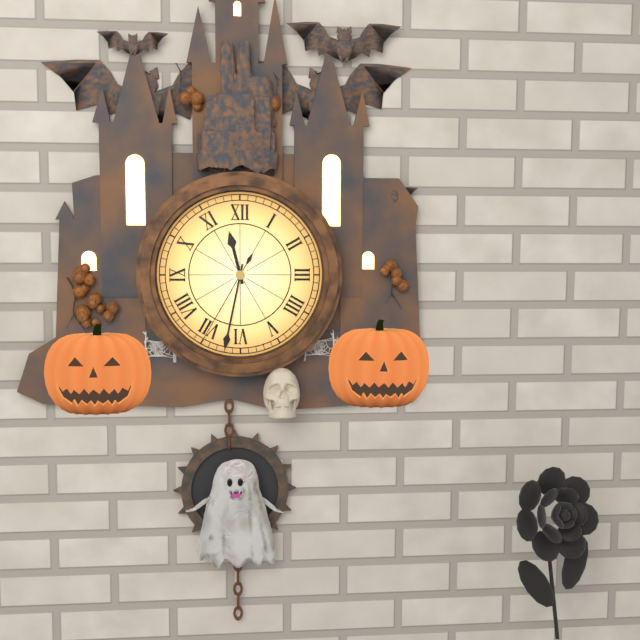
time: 11:32:35
